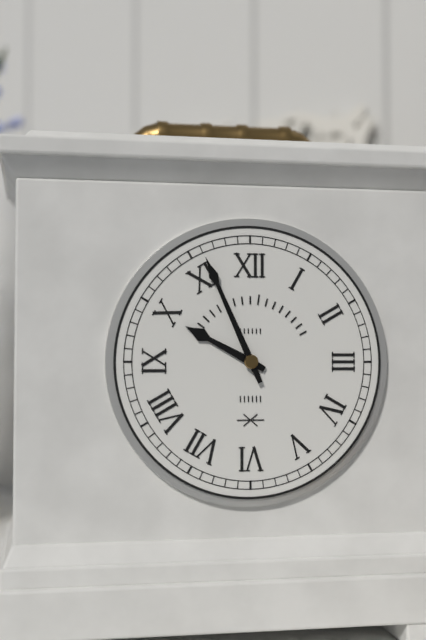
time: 9:56
